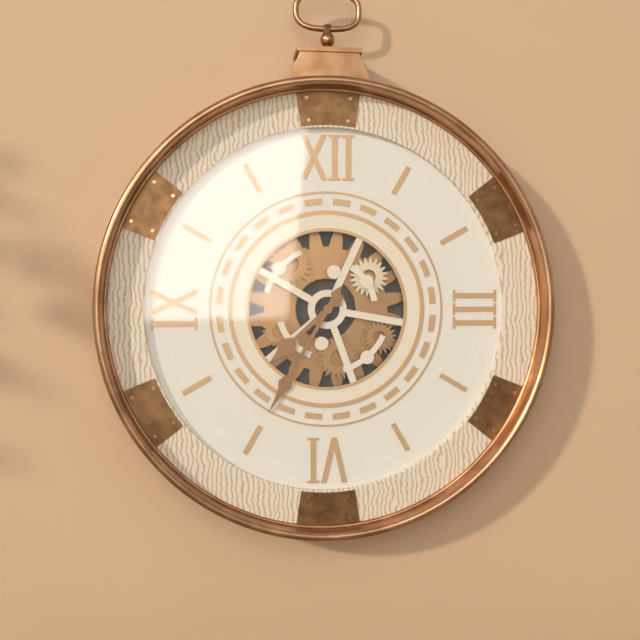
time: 7:35
